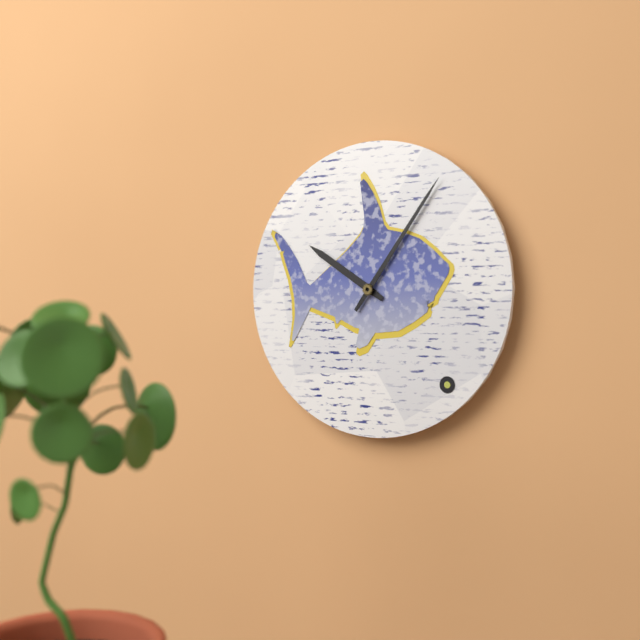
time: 10:06
